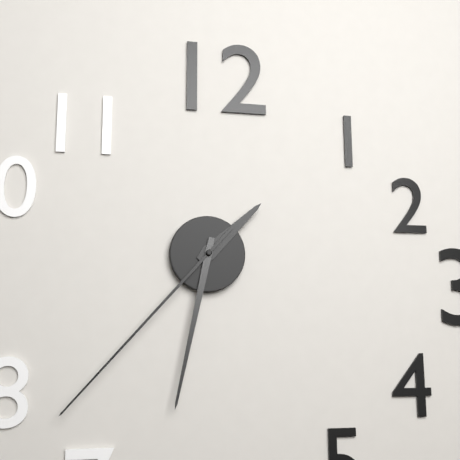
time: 1:32:37
